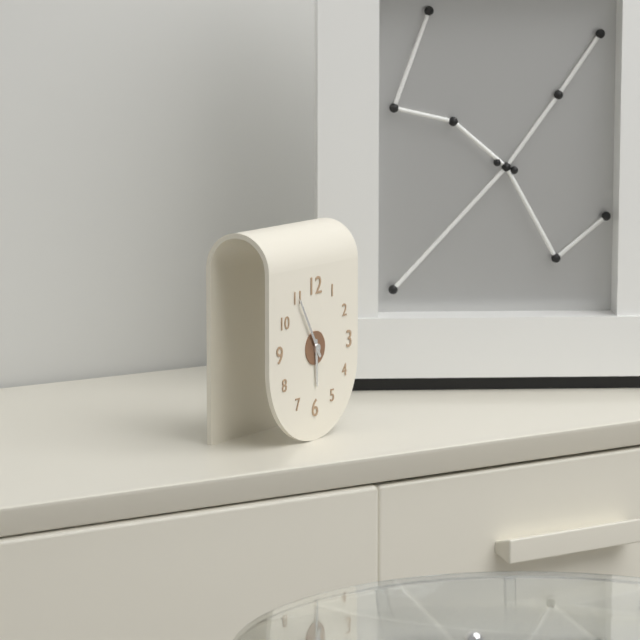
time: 5:55
